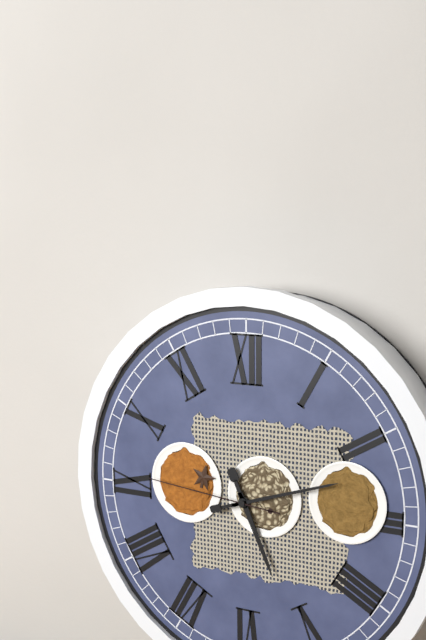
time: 5:12:46
